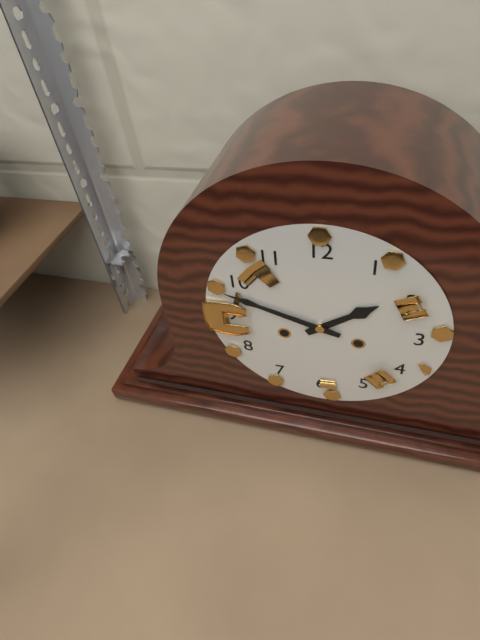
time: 1:48
